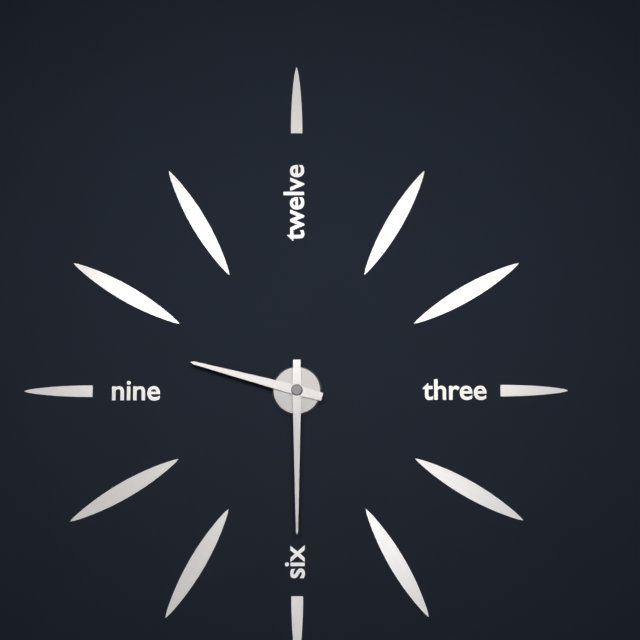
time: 9:30
